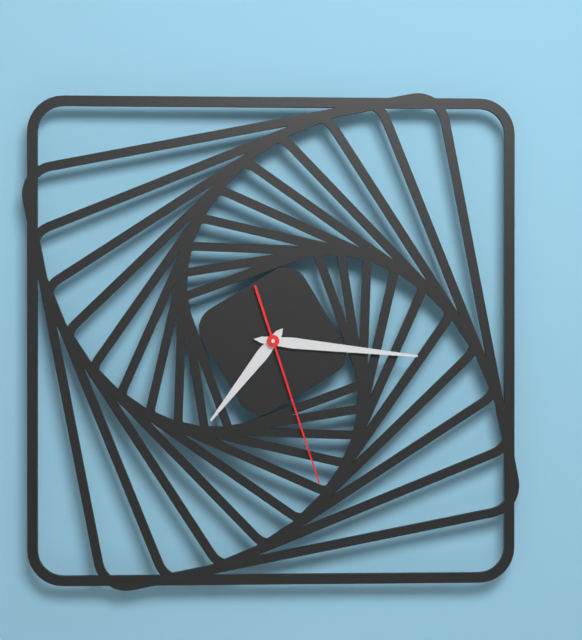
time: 7:16:27
